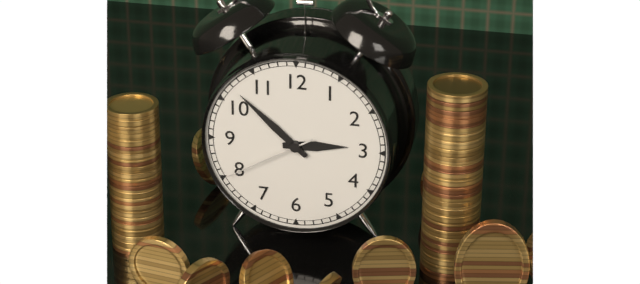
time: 2:52:40
